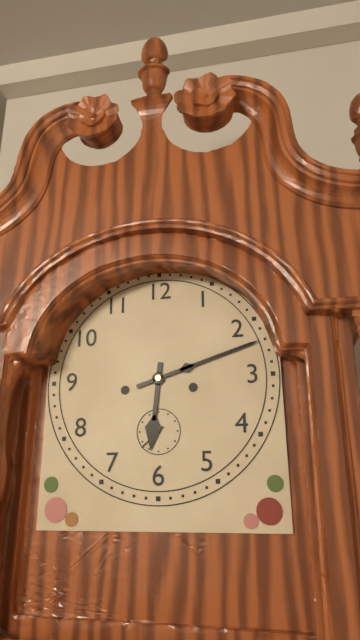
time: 6:12
